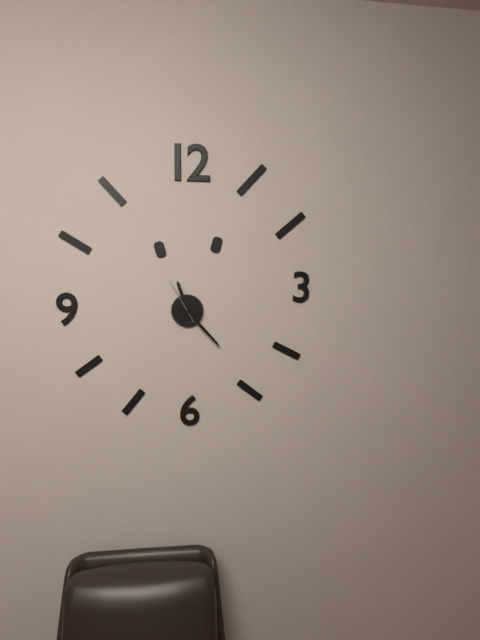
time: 11:23
